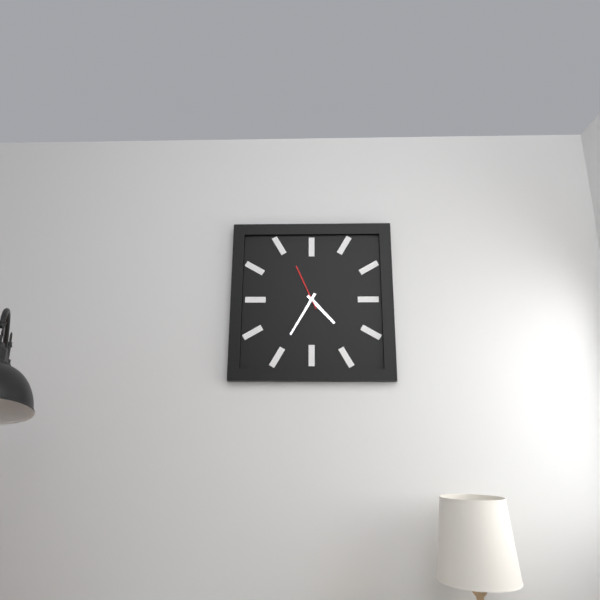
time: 4:35
